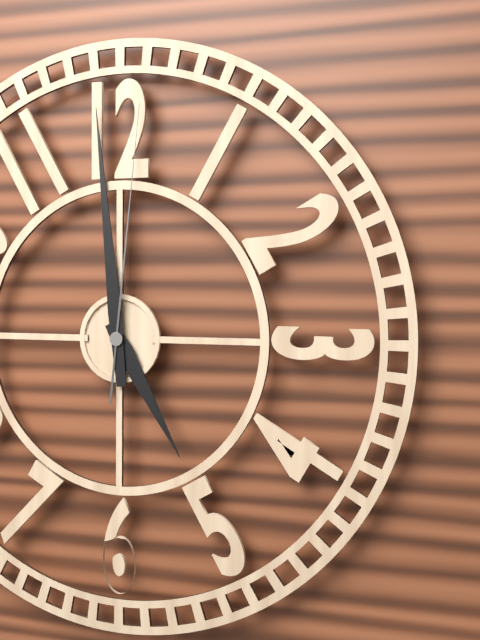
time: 4:59:01
